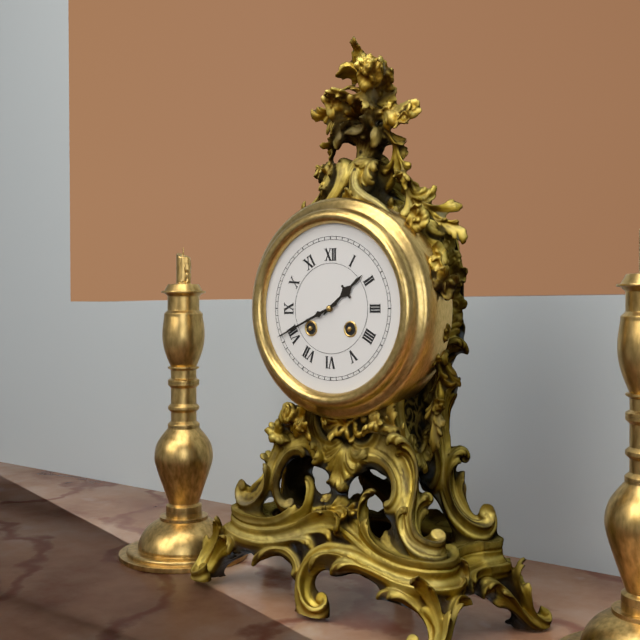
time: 1:41
